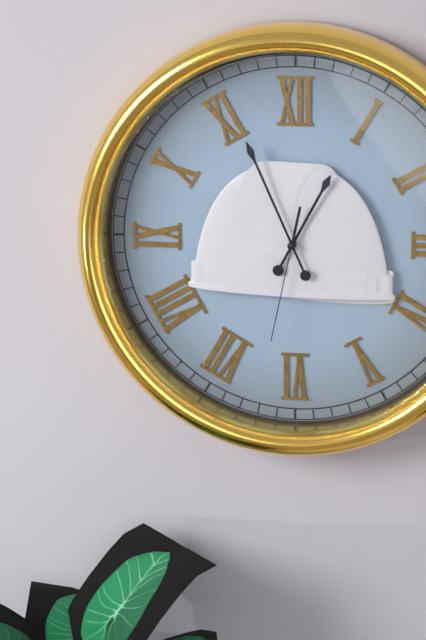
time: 12:56:32
